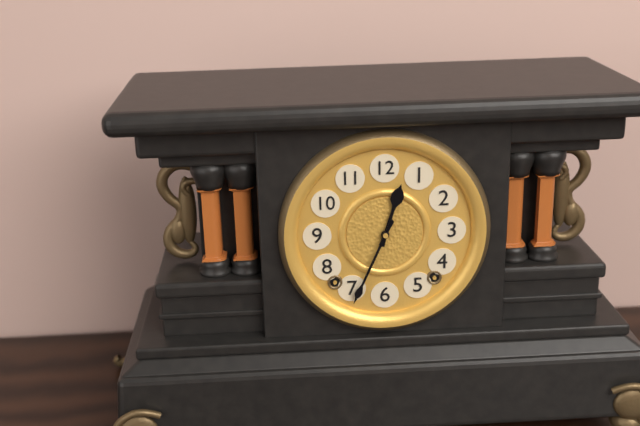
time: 12:34
